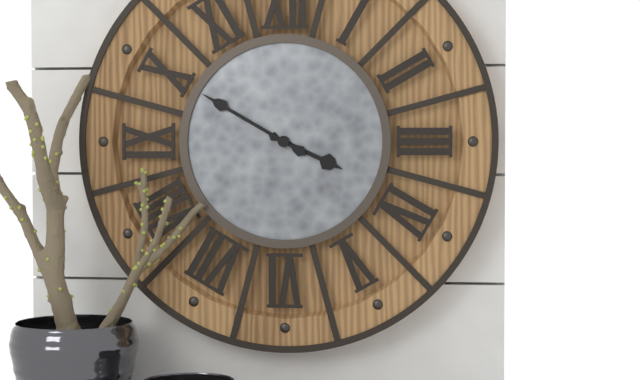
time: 3:50
